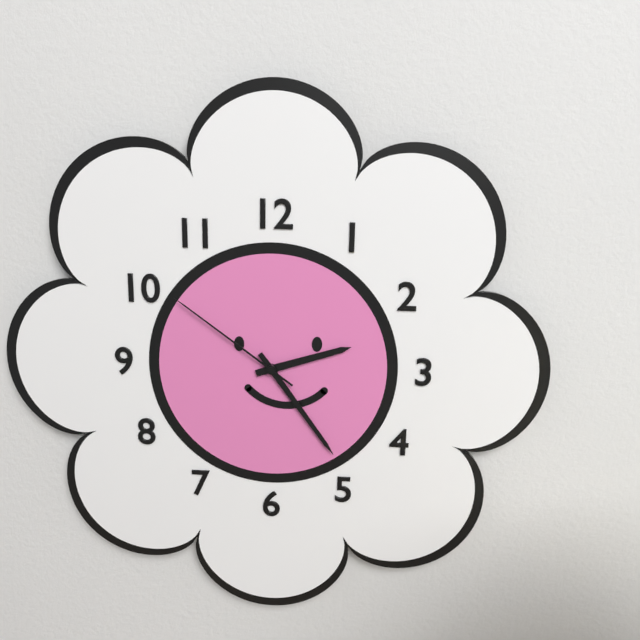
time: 2:24:51
